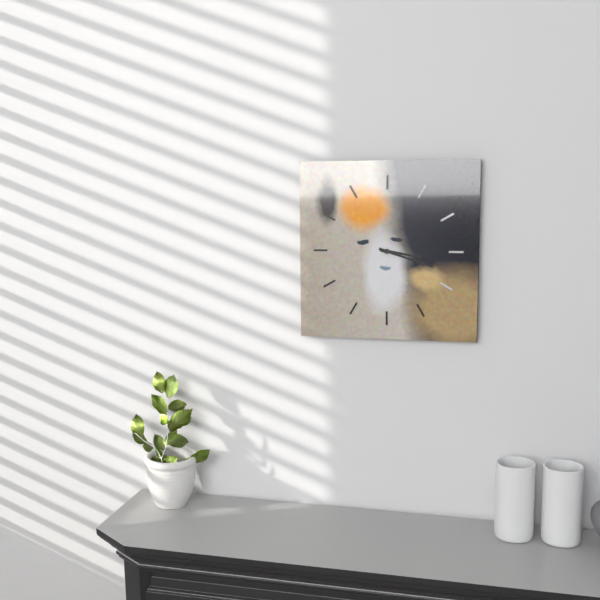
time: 3:18
